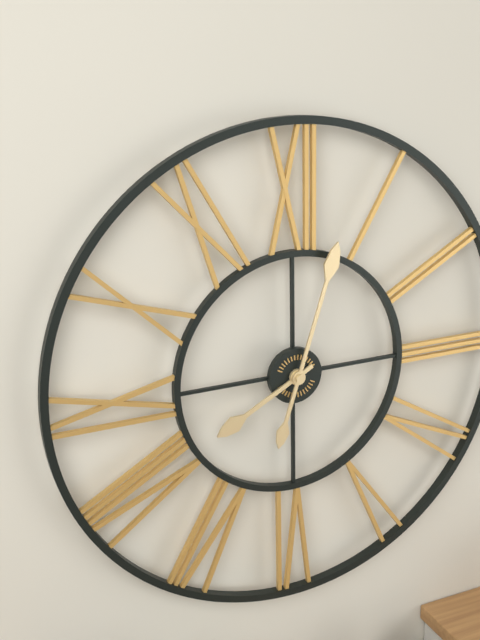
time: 8:03
